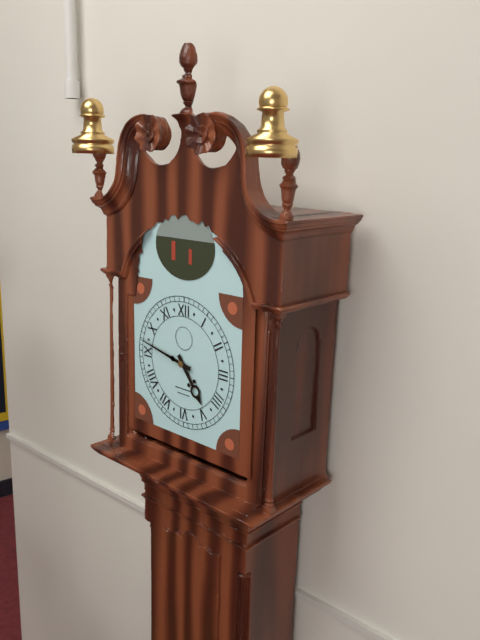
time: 4:47
